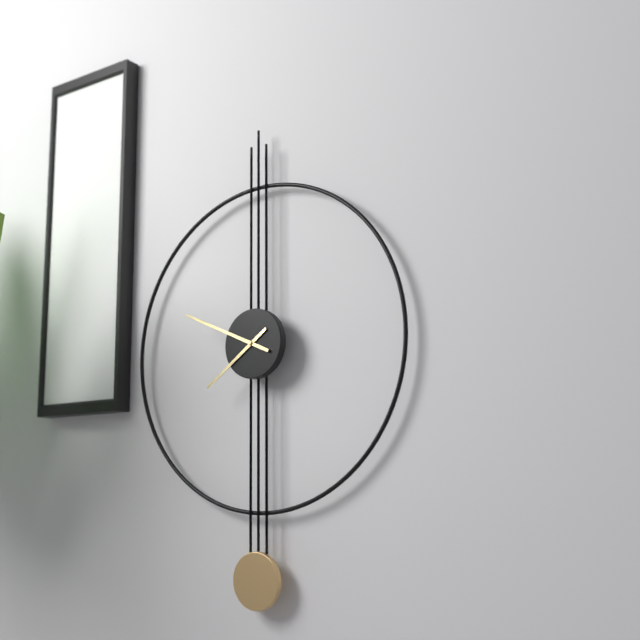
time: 7:49
